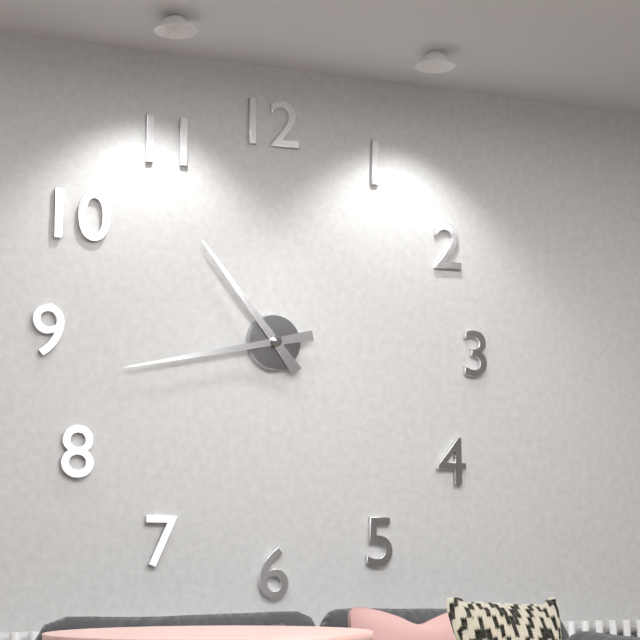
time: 10:43
